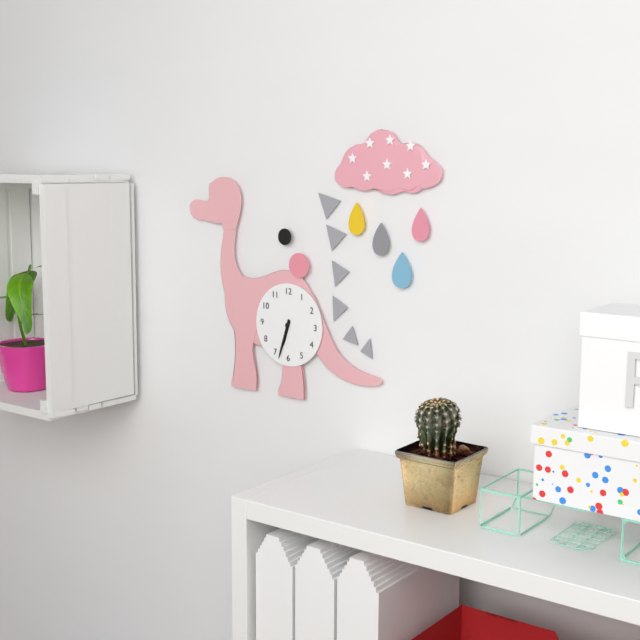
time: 6:33
